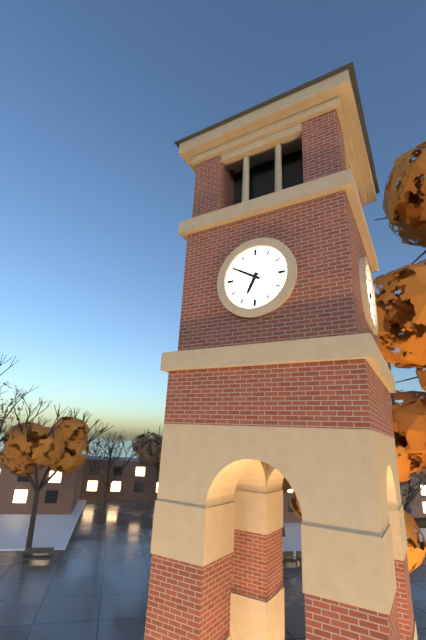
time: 6:50
